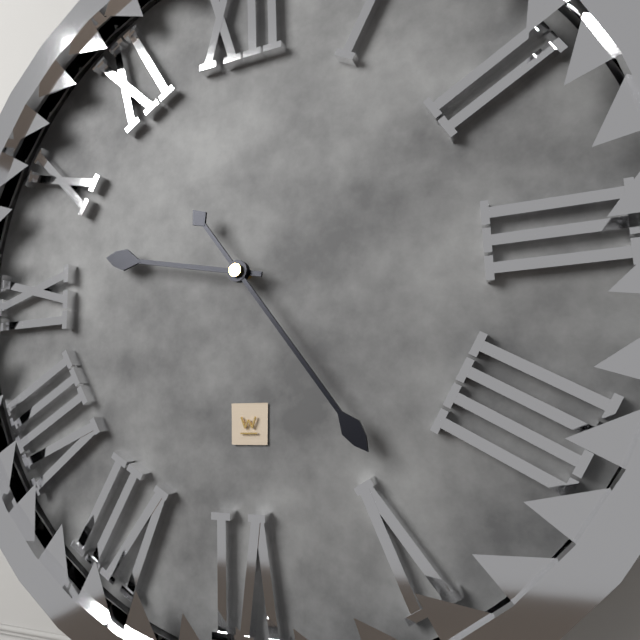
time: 9:24
